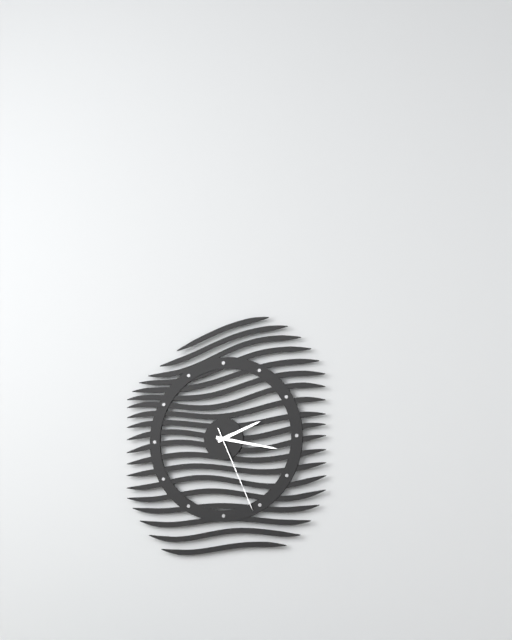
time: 2:17:26
